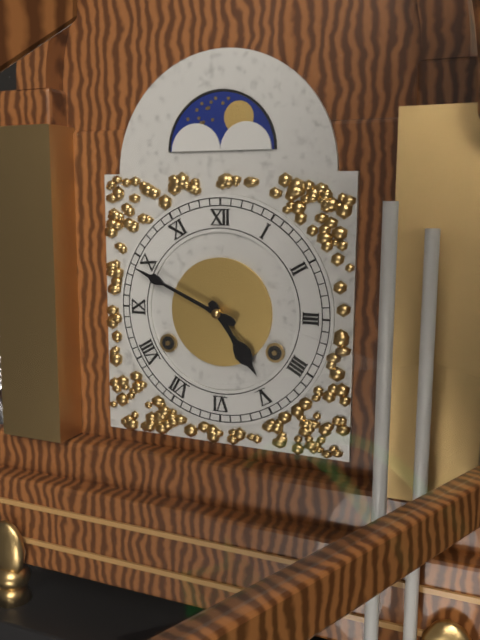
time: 4:49
